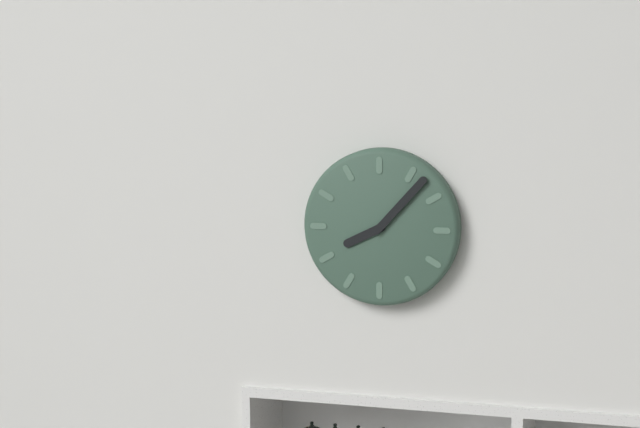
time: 8:07
